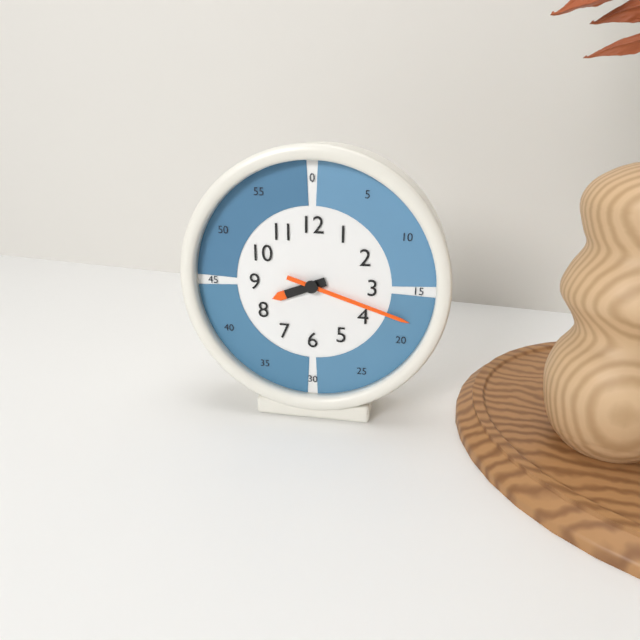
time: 8:18
